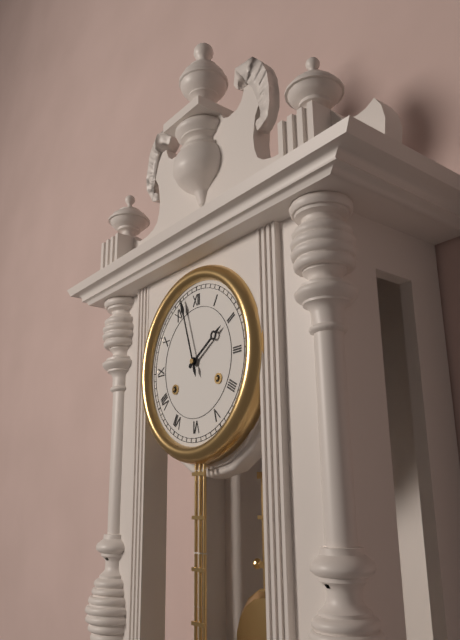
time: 1:57
